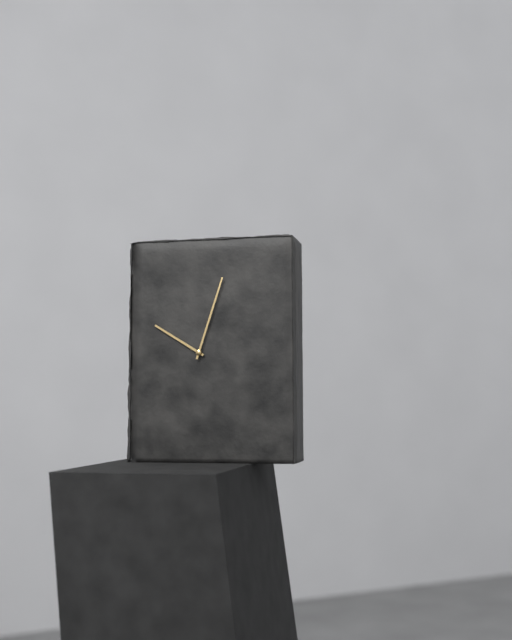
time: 10:03
